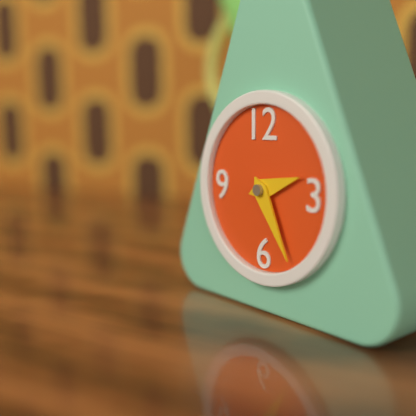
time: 2:25
